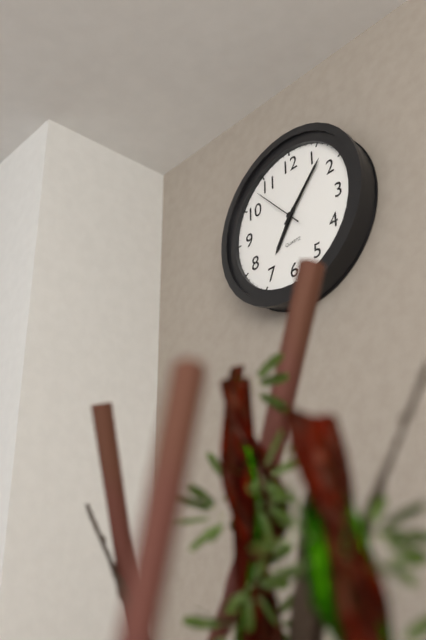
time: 7:07:53
